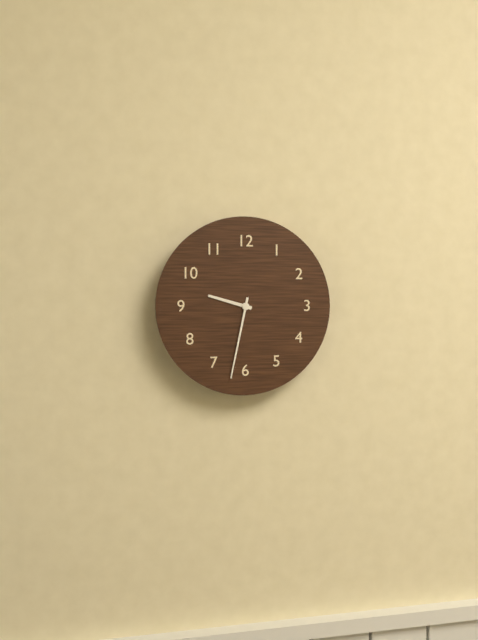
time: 9:32
